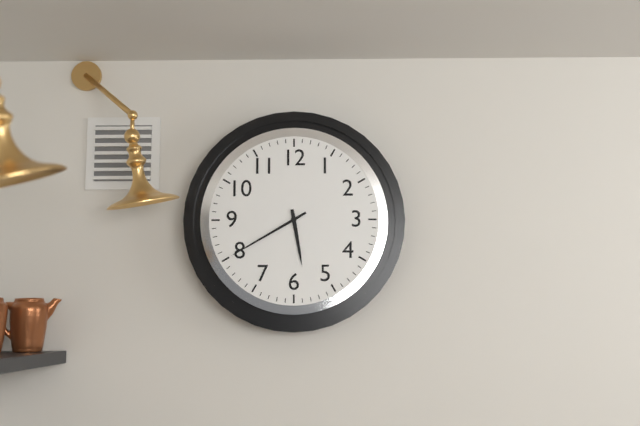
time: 5:40
